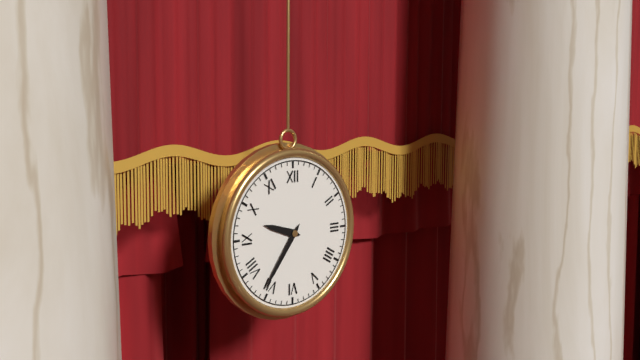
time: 9:36
